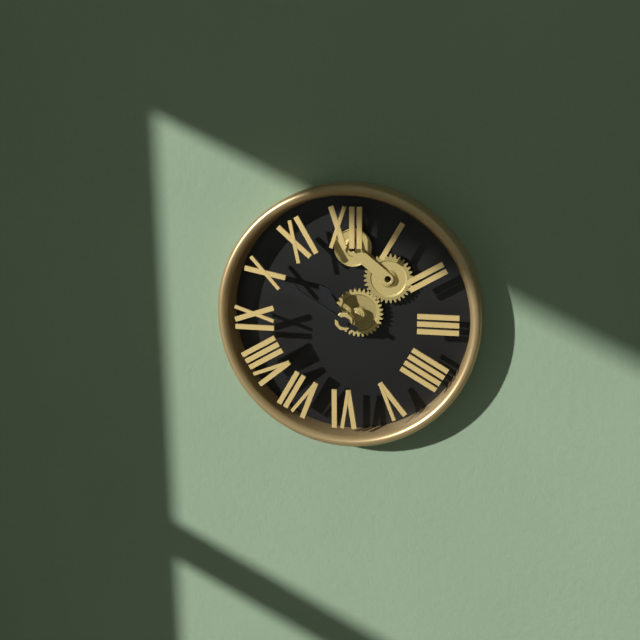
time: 10:50
